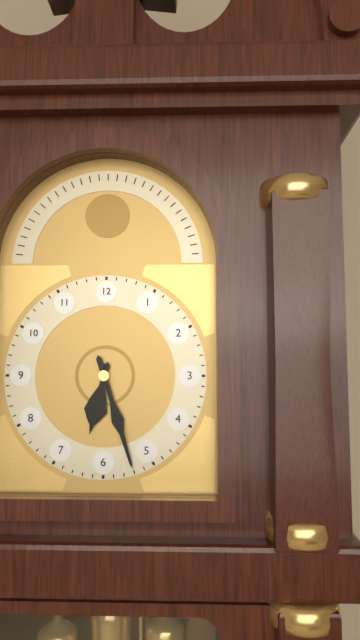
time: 6:27
